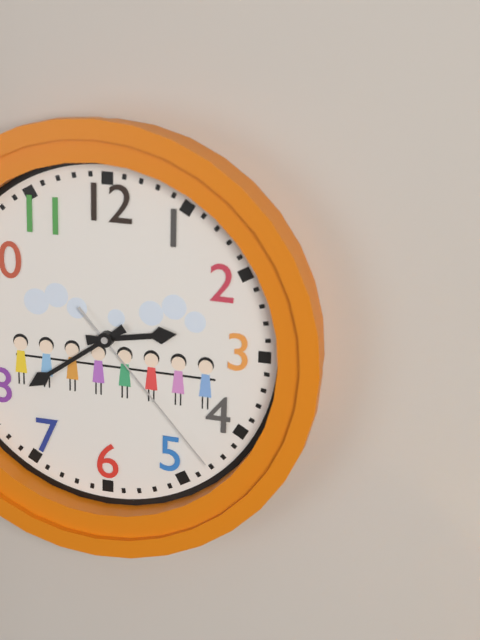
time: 2:39:23
